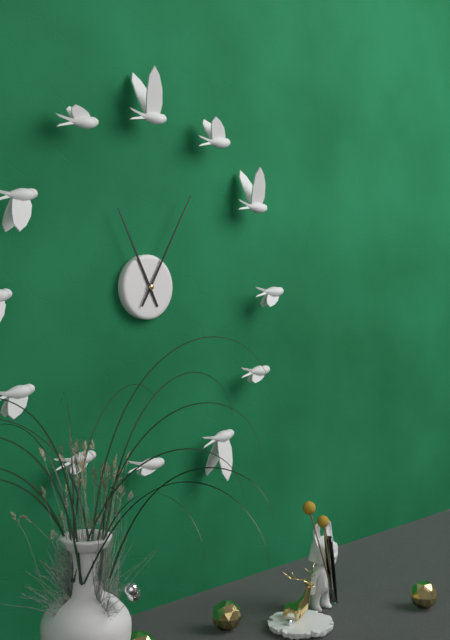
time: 11:05
